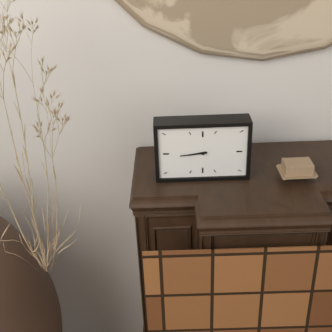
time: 8:44
